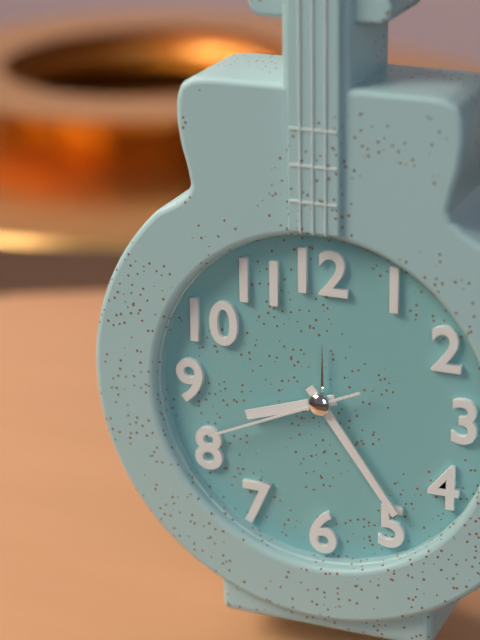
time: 8:24:41
